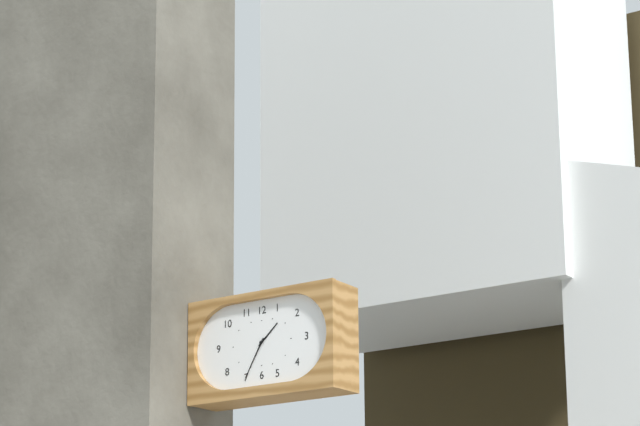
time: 1:35
